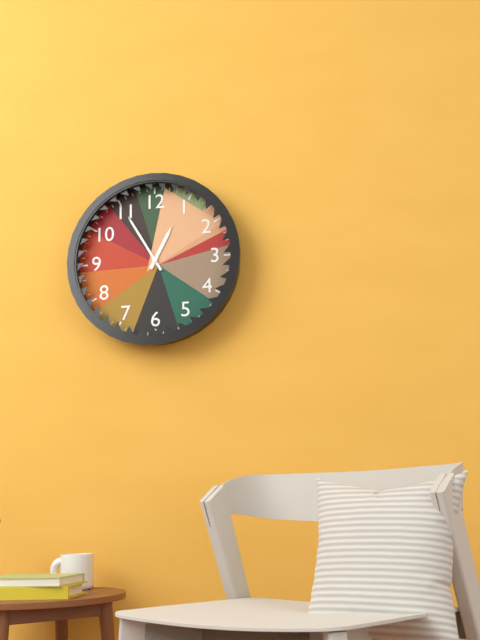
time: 12:55
